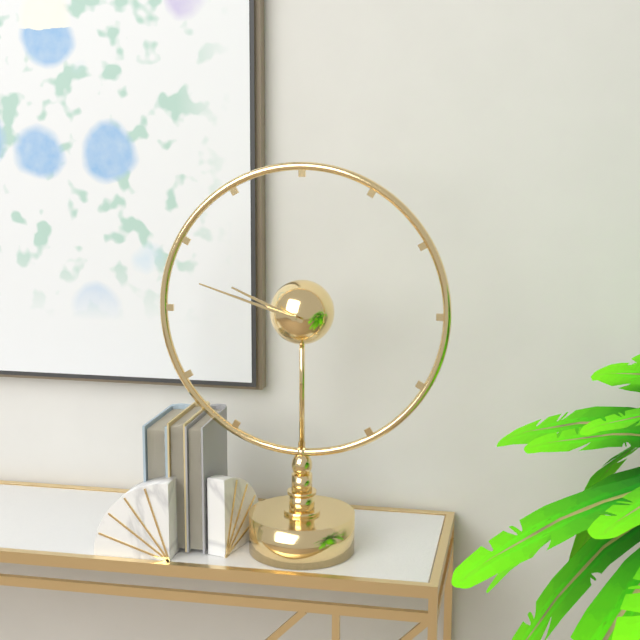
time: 9:48
